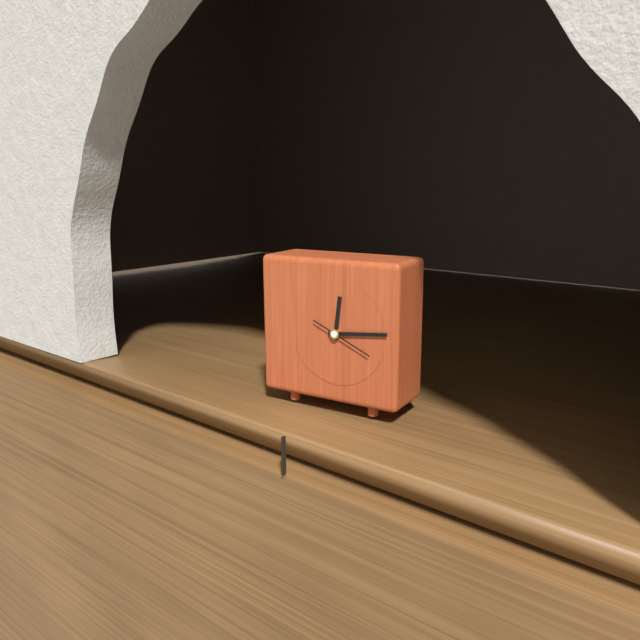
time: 12:14:19
